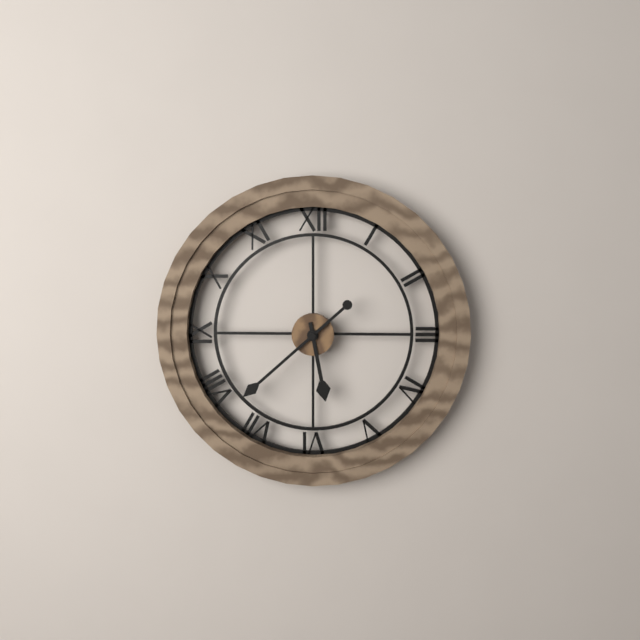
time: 5:38
